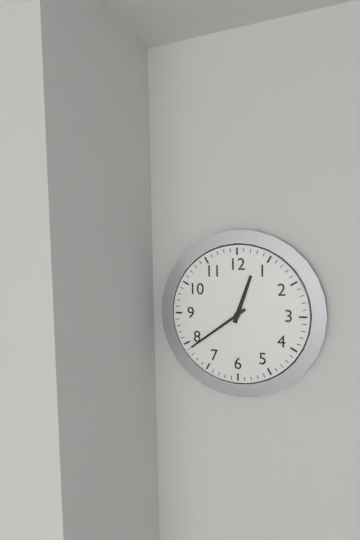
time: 12:39
